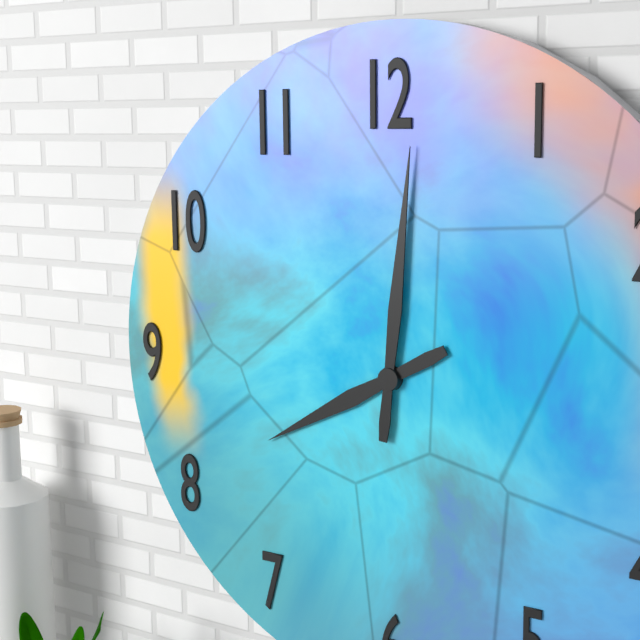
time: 8:01
